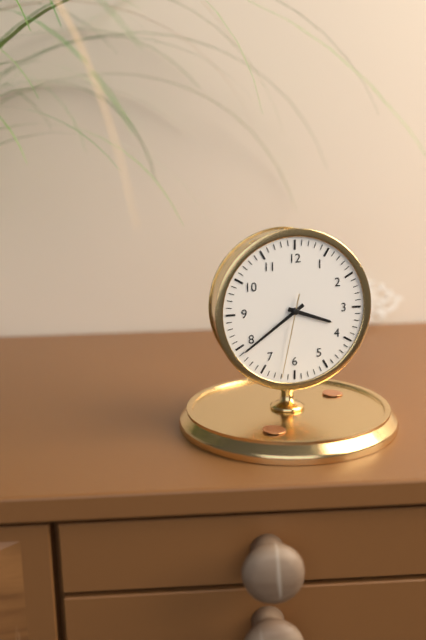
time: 3:39:32
